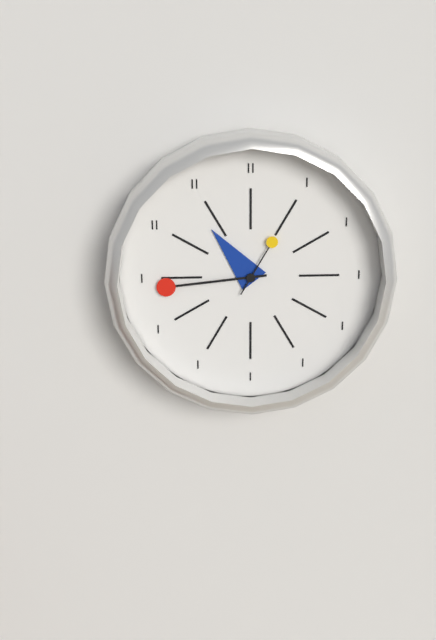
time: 10:44:05
